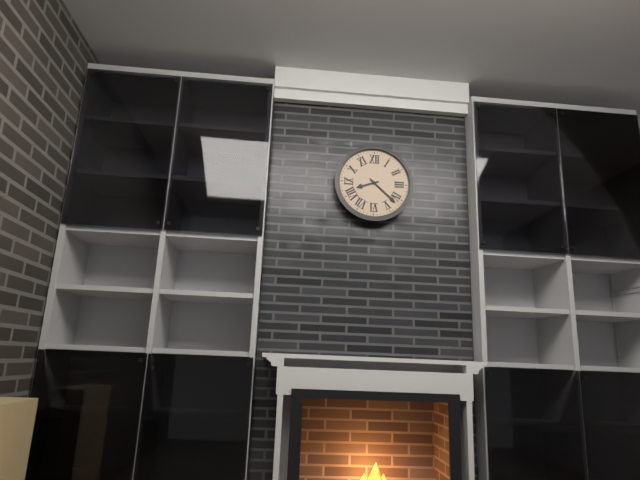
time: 8:22
